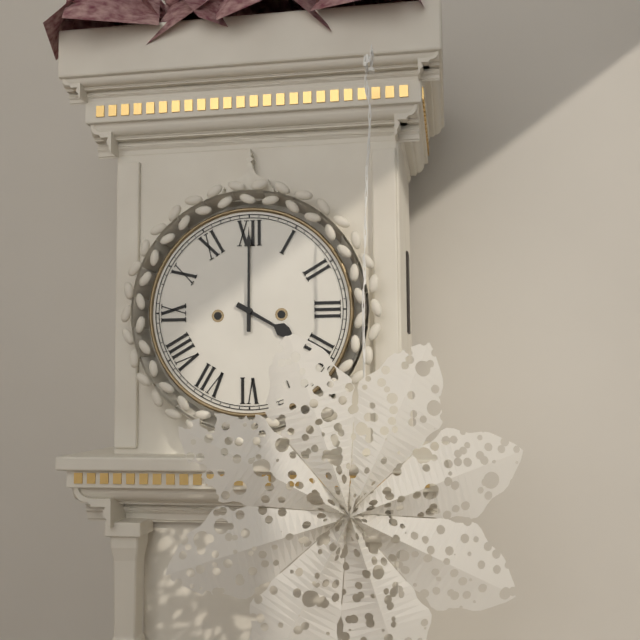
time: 4:00
